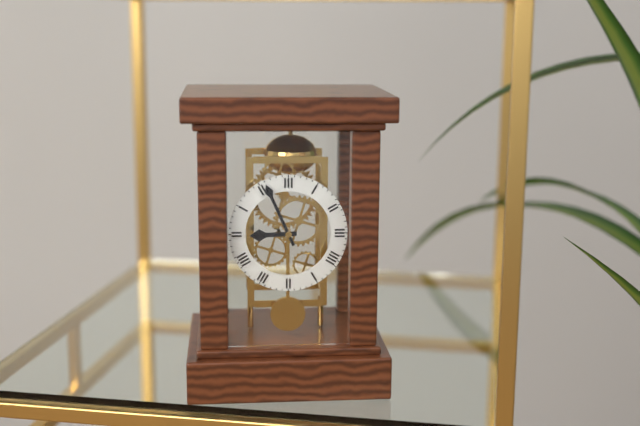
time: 8:56
